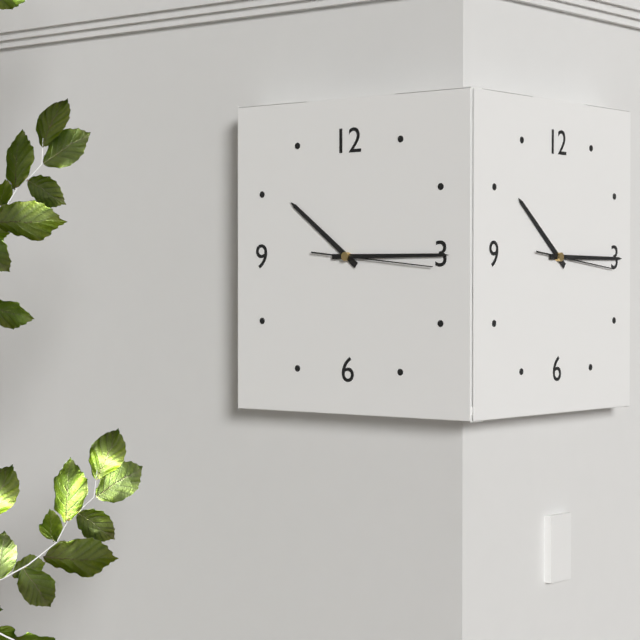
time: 10:15:16
